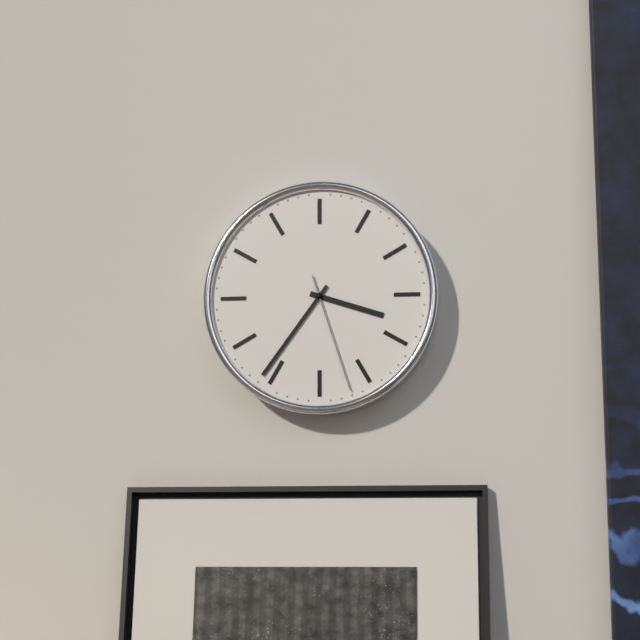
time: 3:36:27
